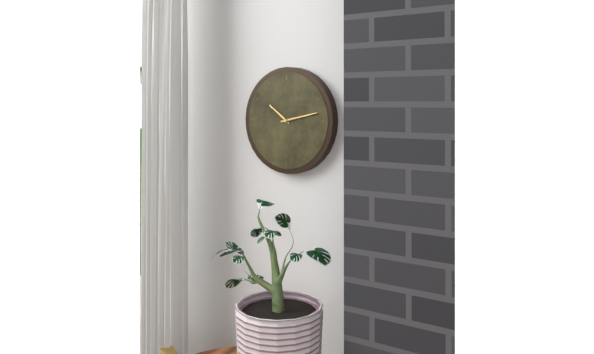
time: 10:13
